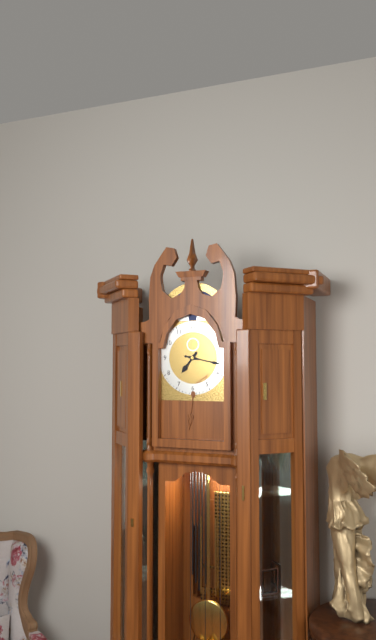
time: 7:17
